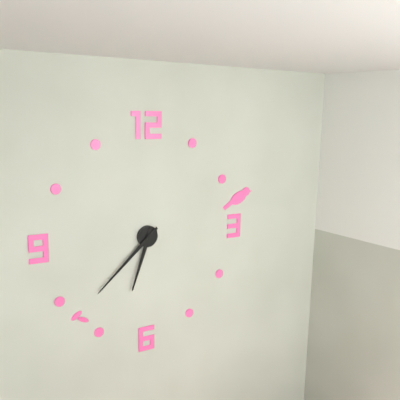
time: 6:38
